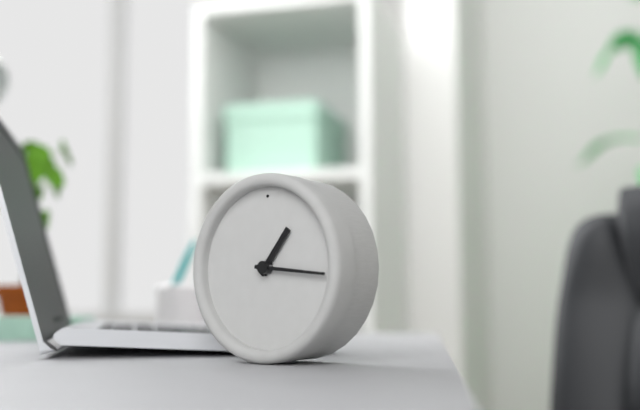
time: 1:16
